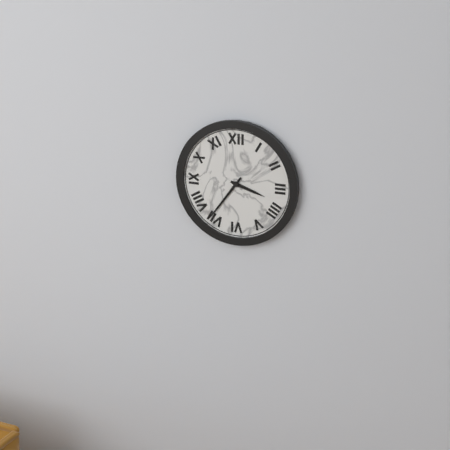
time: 3:36
